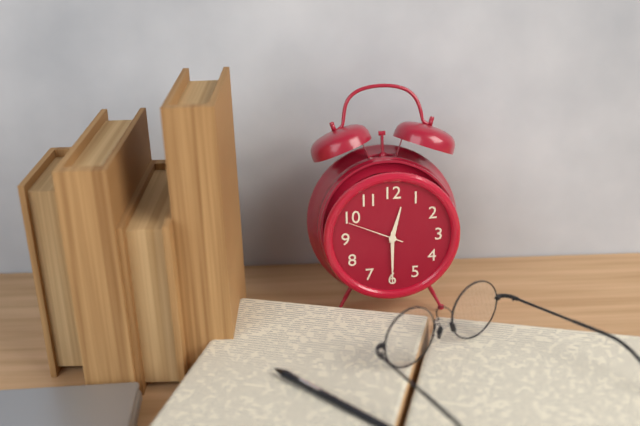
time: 12:30:49
